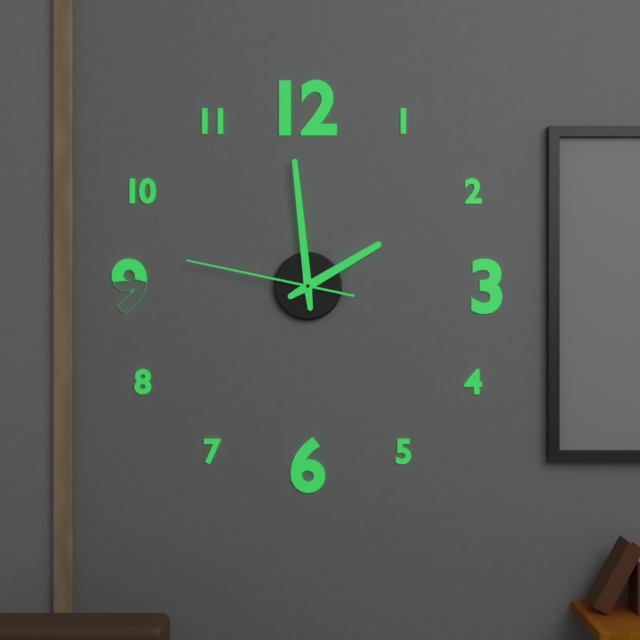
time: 1:59:47
